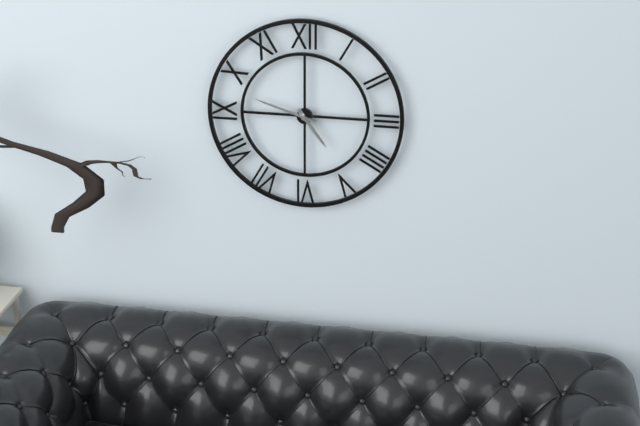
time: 4:48
